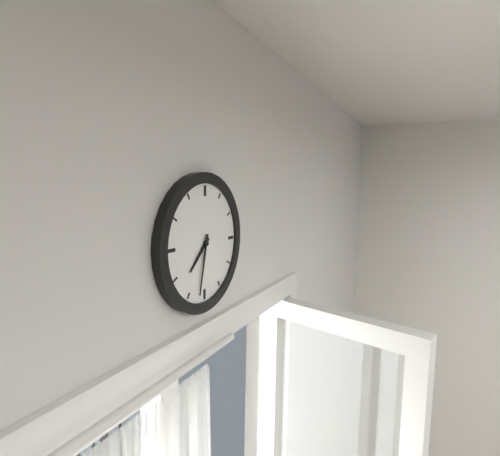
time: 7:32
